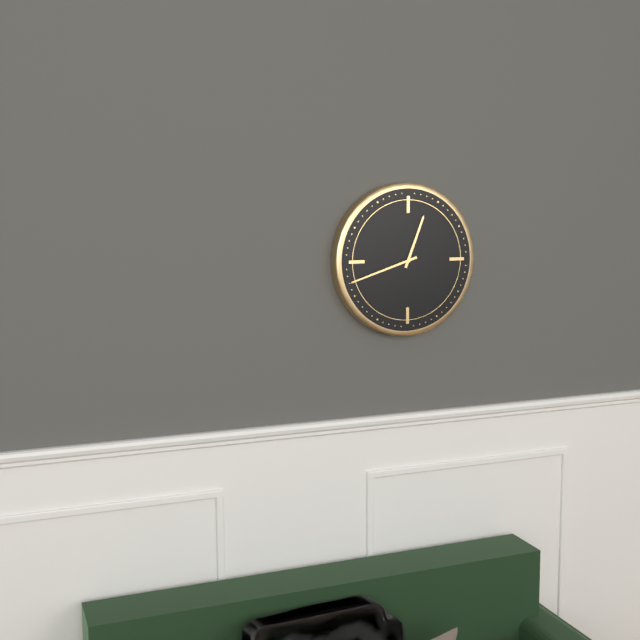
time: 12:42
